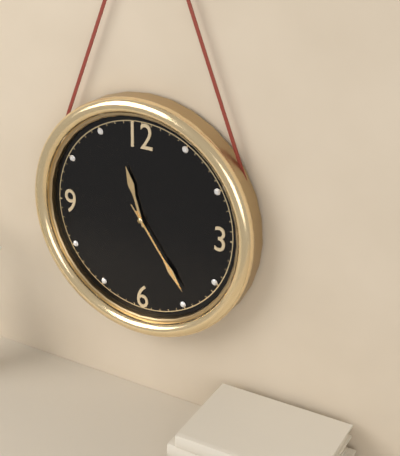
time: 11:24:24
